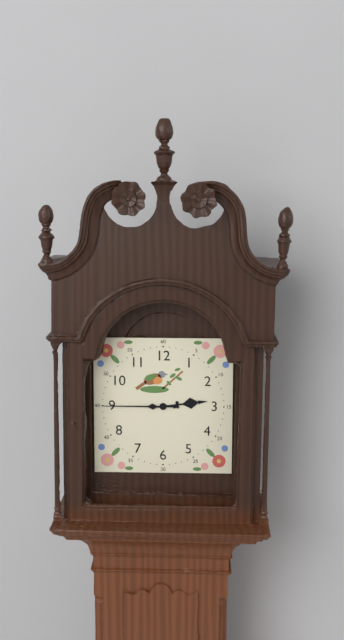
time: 2:45
